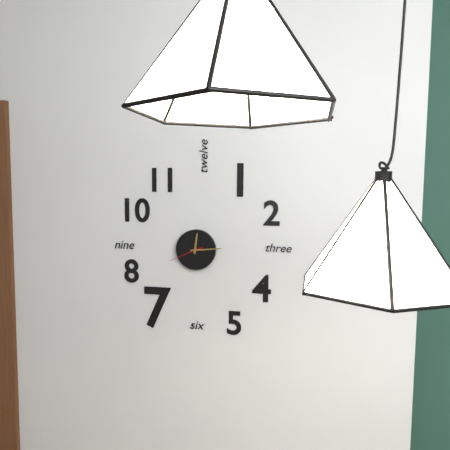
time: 12:14
